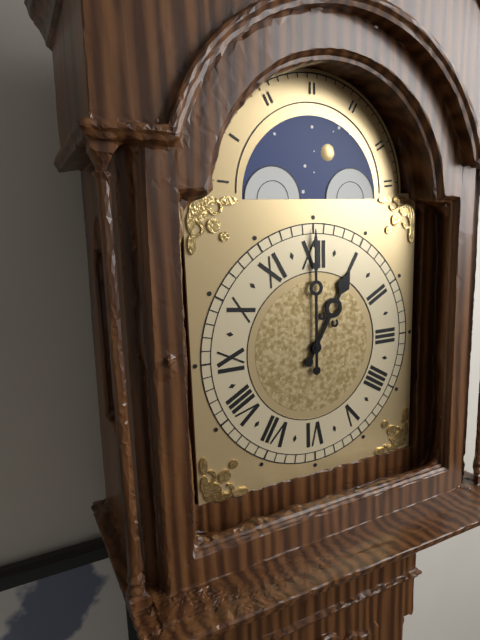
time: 1:00
